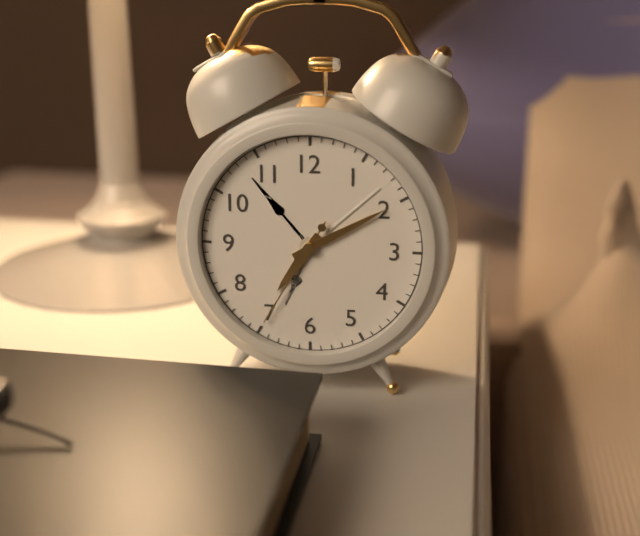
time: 7:10:35
